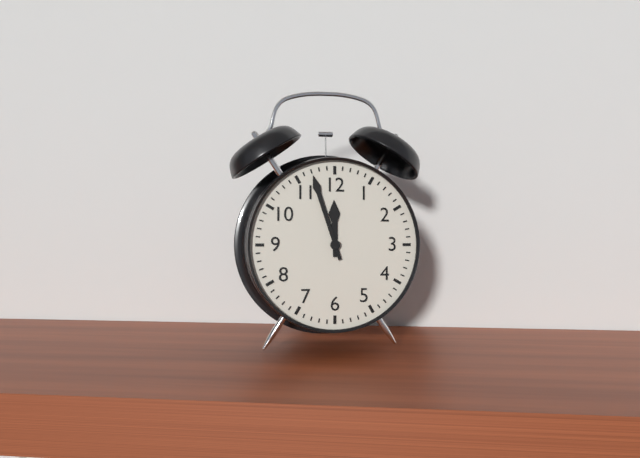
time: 11:57
